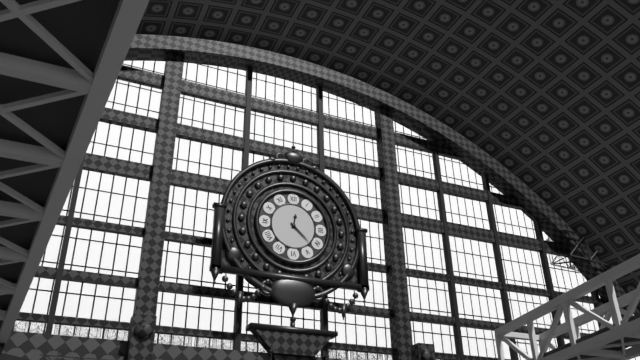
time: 12:22
